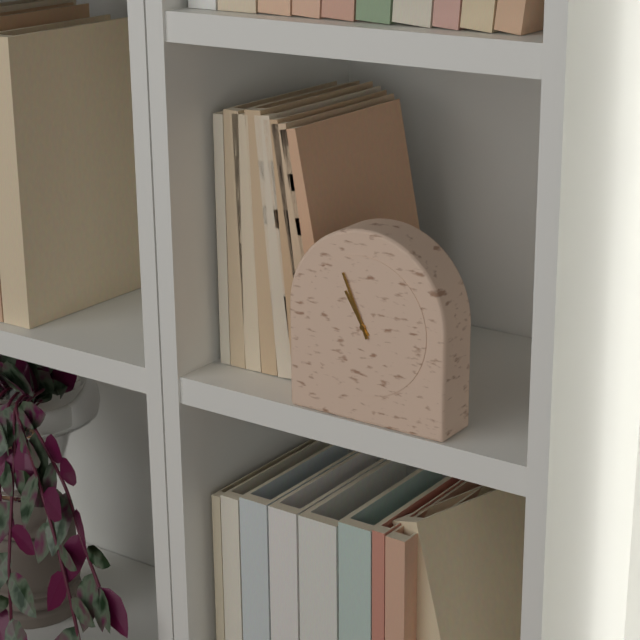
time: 10:56
